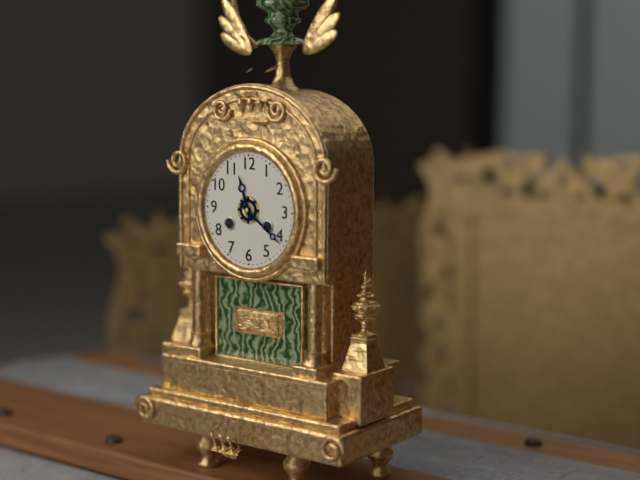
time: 11:21
